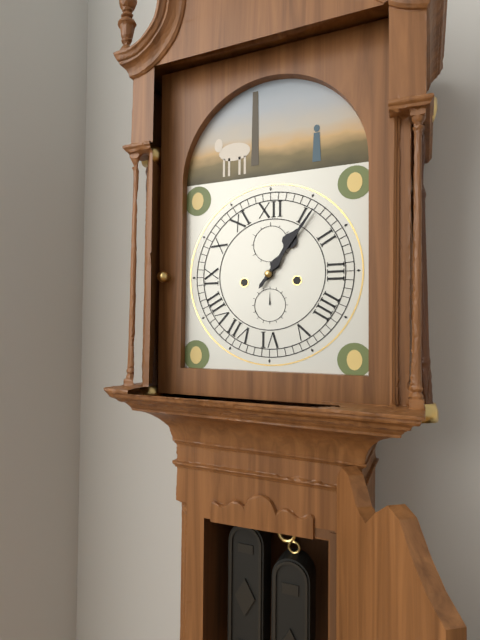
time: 1:06
